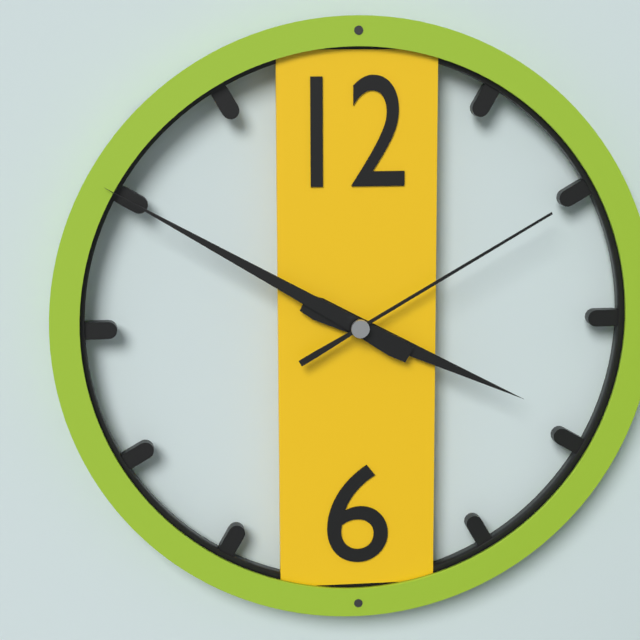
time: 3:50:10
